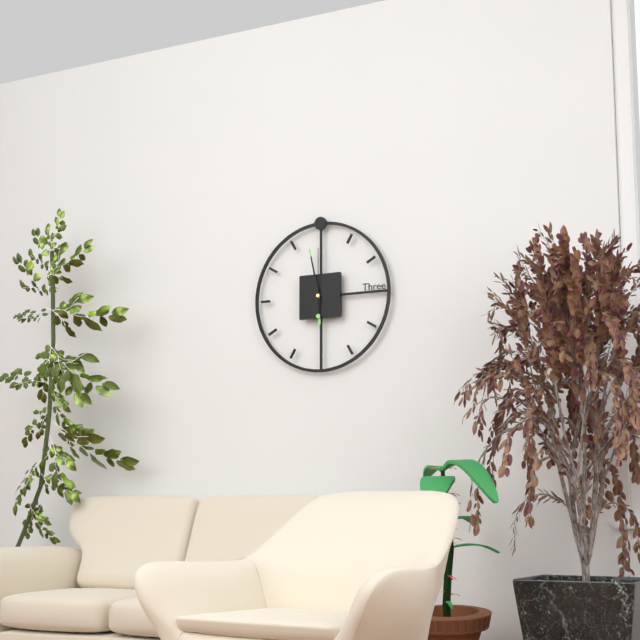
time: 5:58:00
